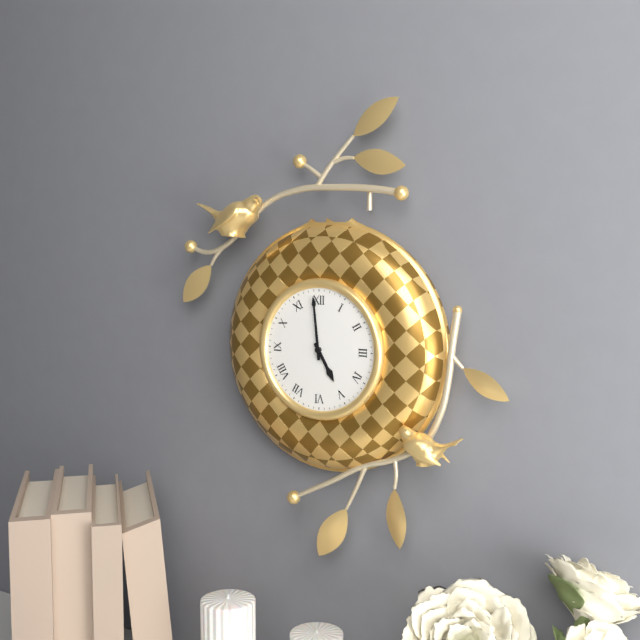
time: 4:59
